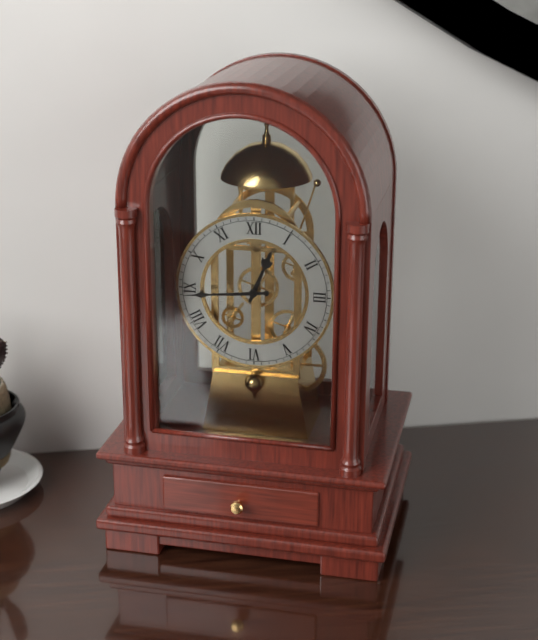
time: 12:44
